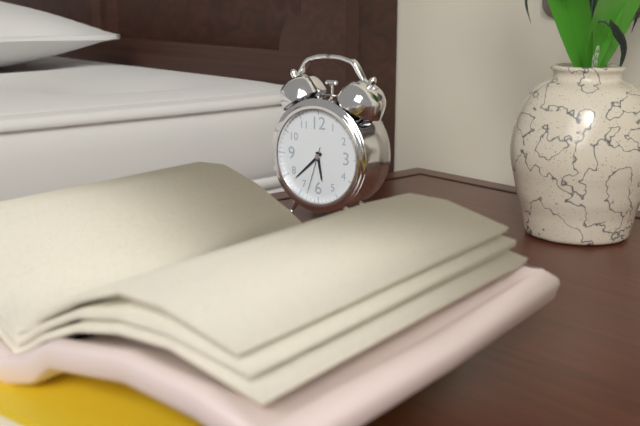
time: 5:38
